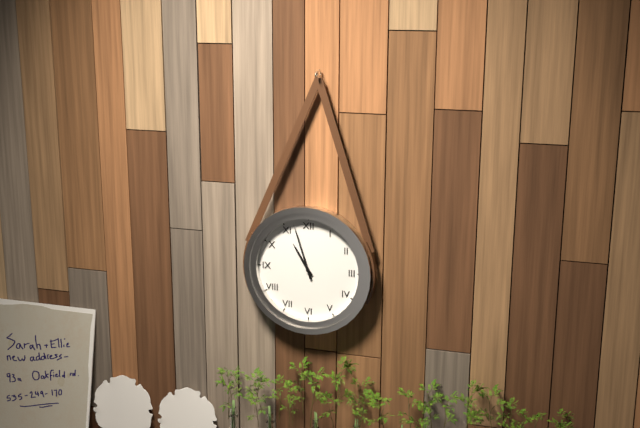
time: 10:57
